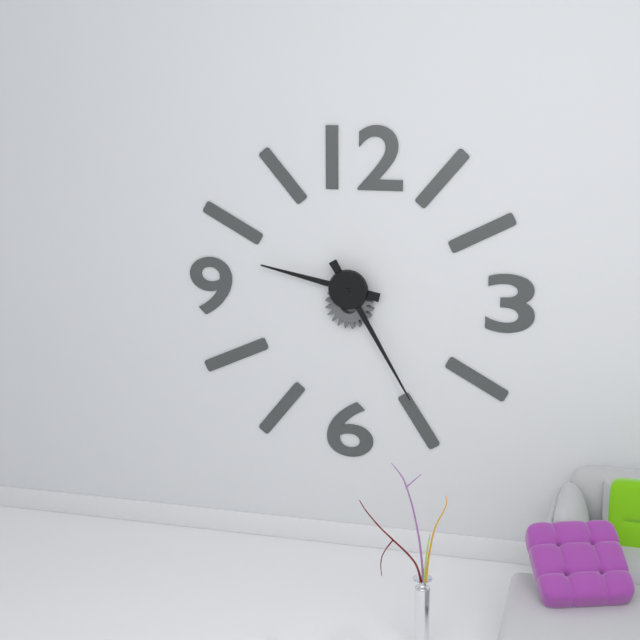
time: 9:25
